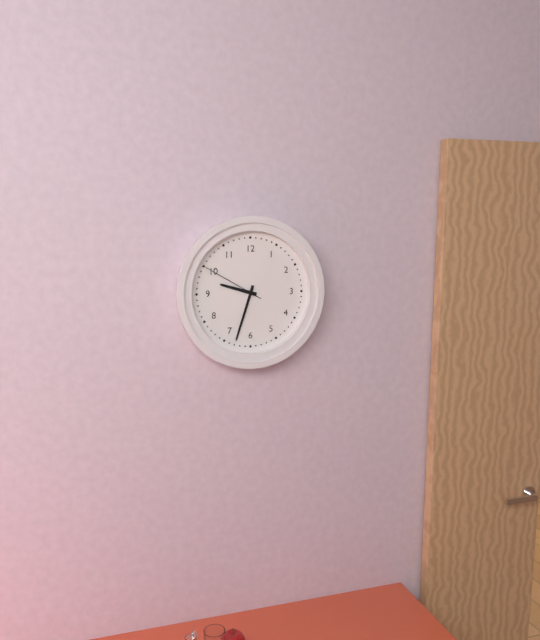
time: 9:33:50
